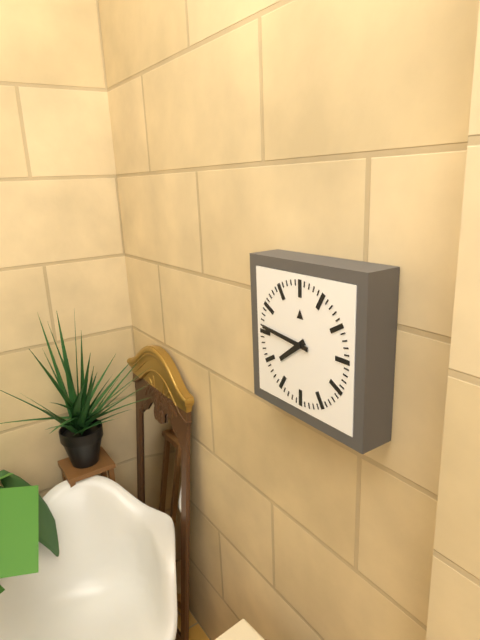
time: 7:46
